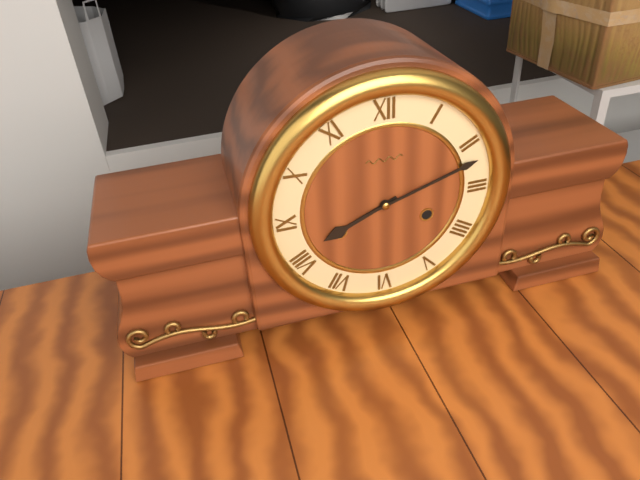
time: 8:12
